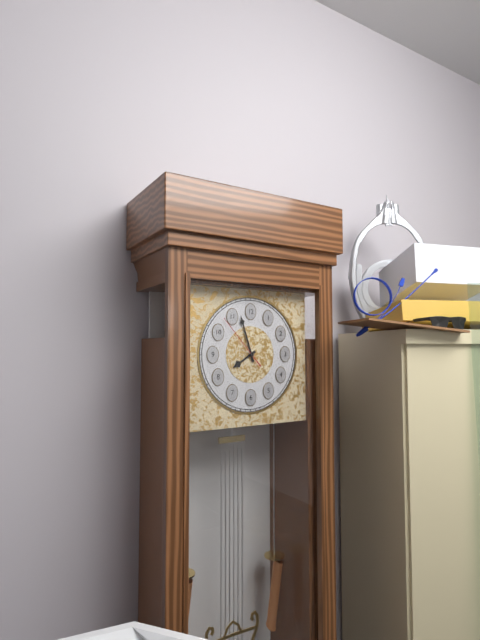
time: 7:57:53
